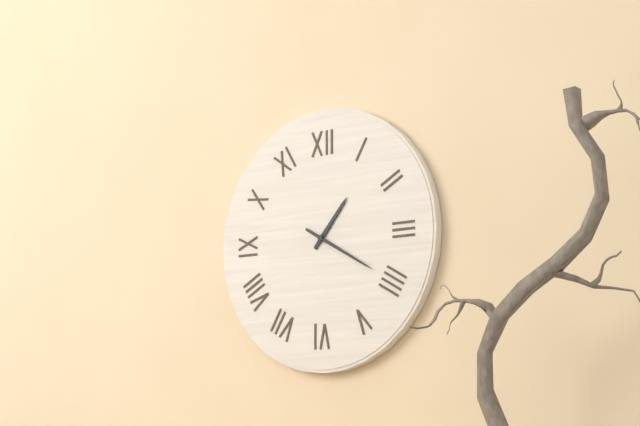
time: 1:20
